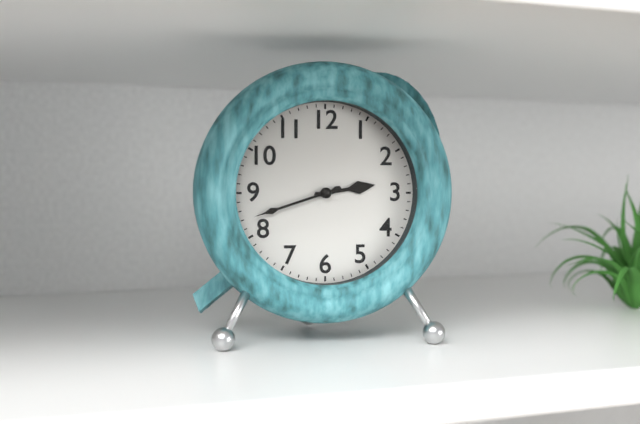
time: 2:42
